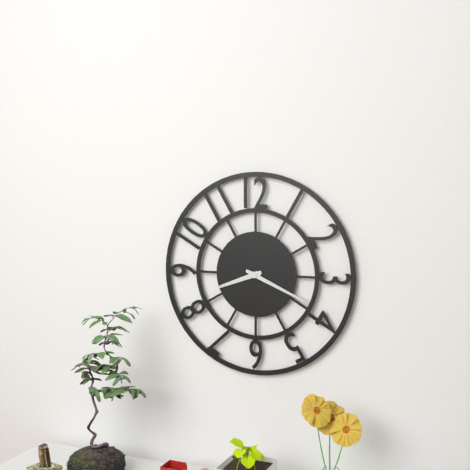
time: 8:19
